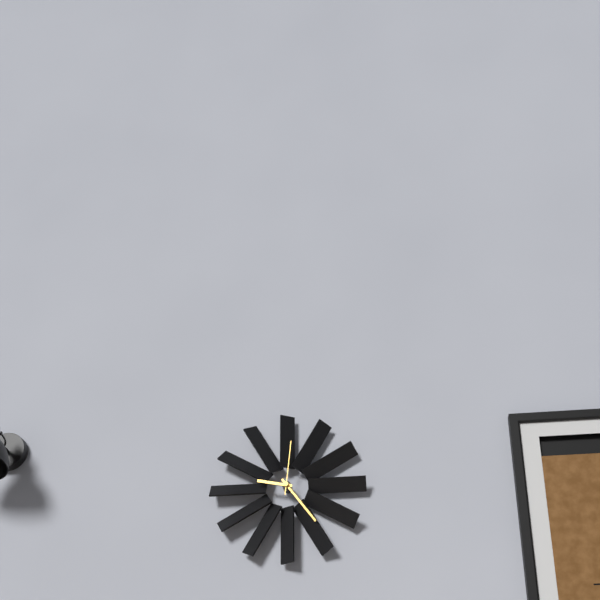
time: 9:24:01
